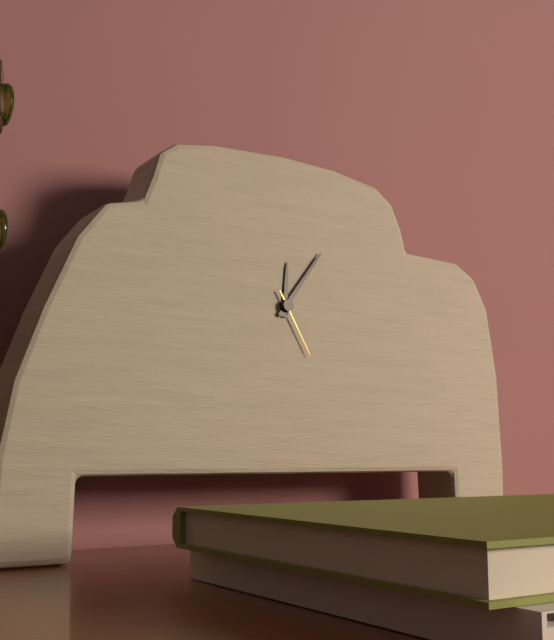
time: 12:06:25
